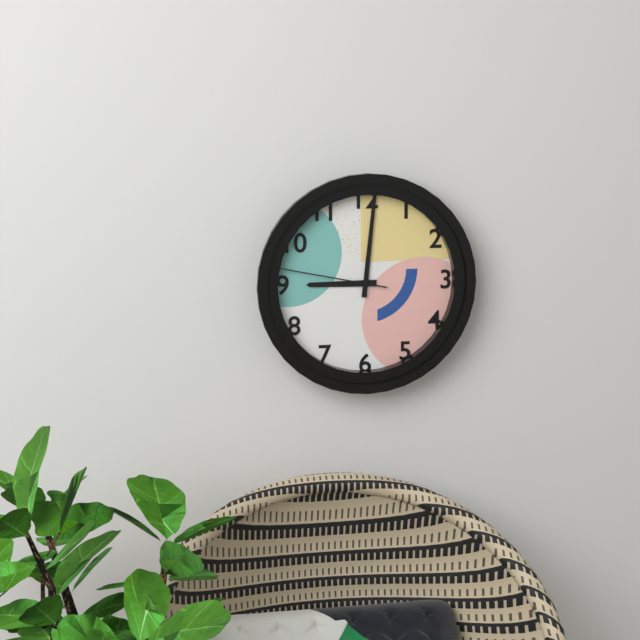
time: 9:01:47
